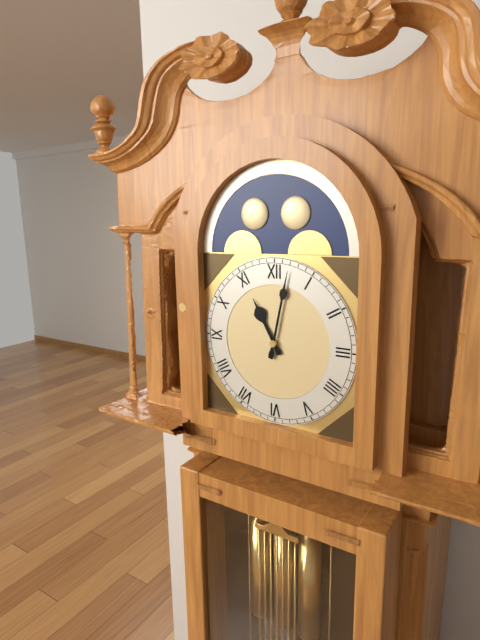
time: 11:02
